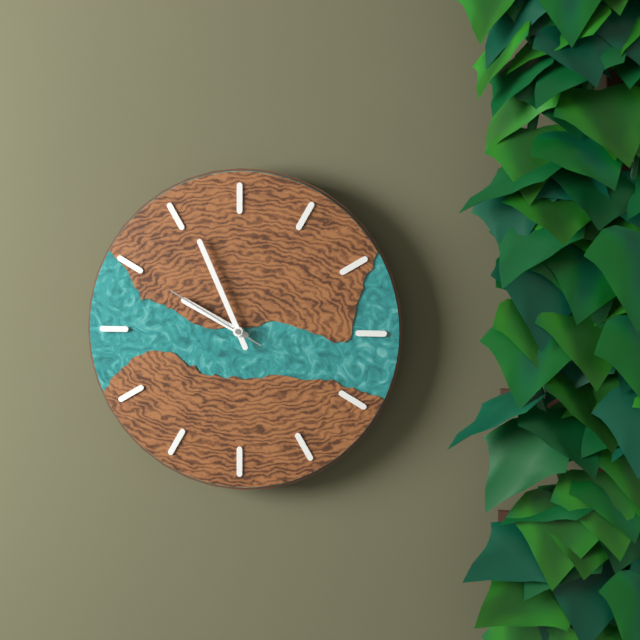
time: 9:56:50
